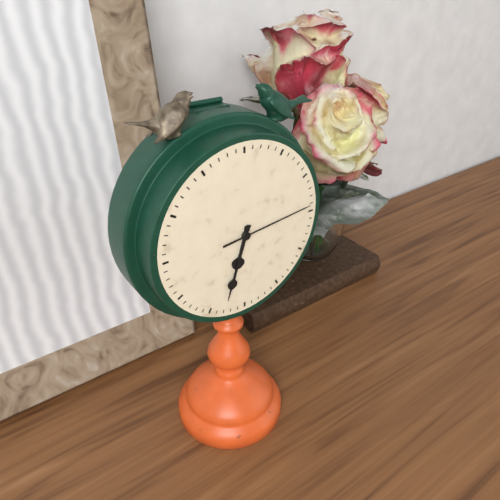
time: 6:33:14
